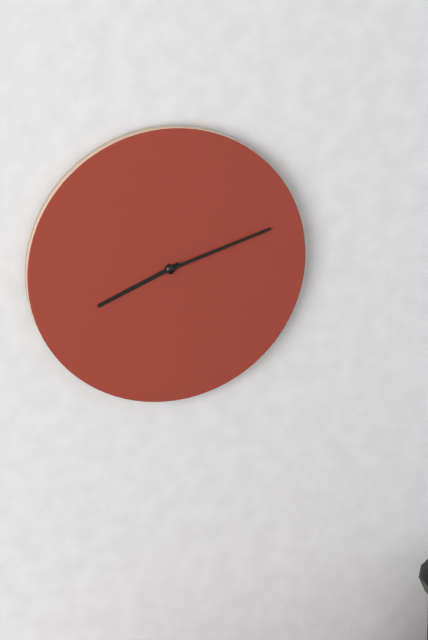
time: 8:12
